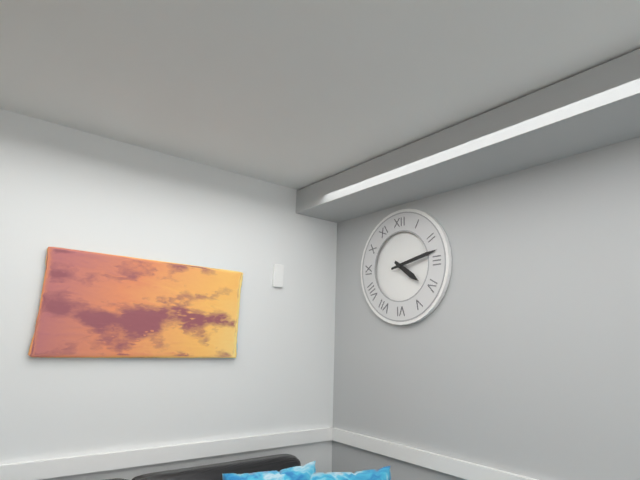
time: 4:13
